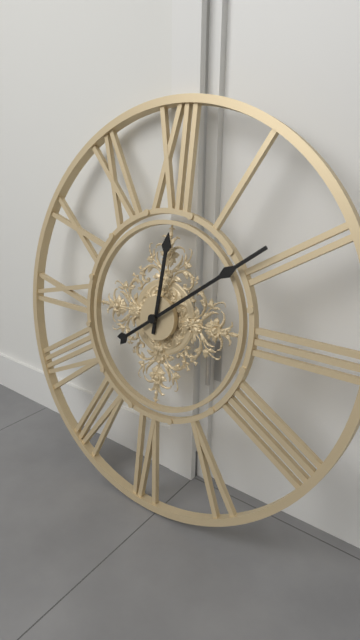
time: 12:09
